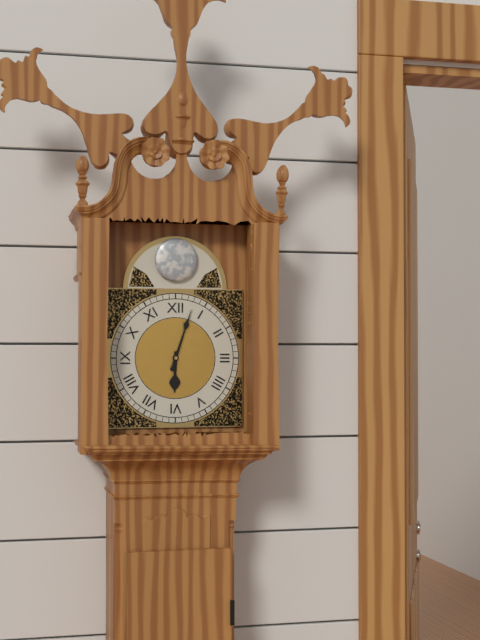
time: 6:03
